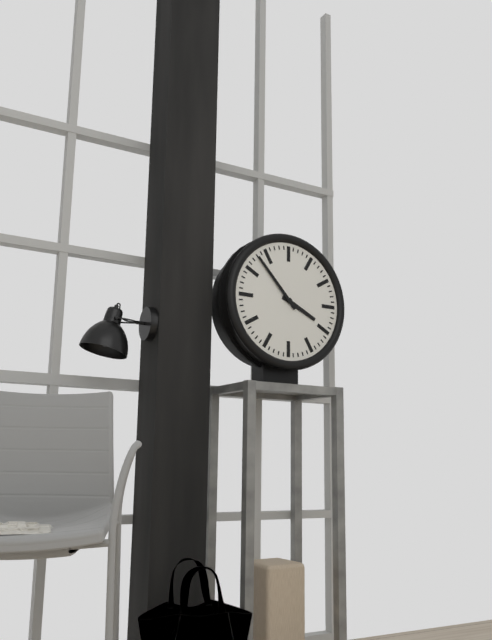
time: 3:53
